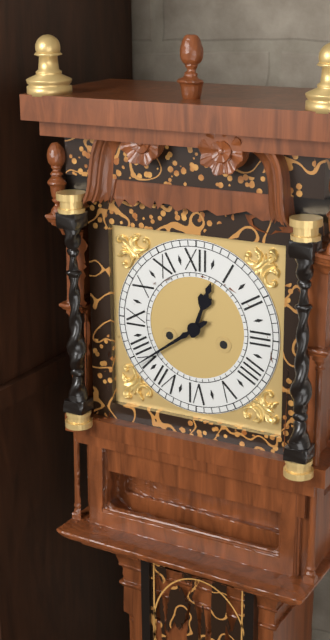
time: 12:39
